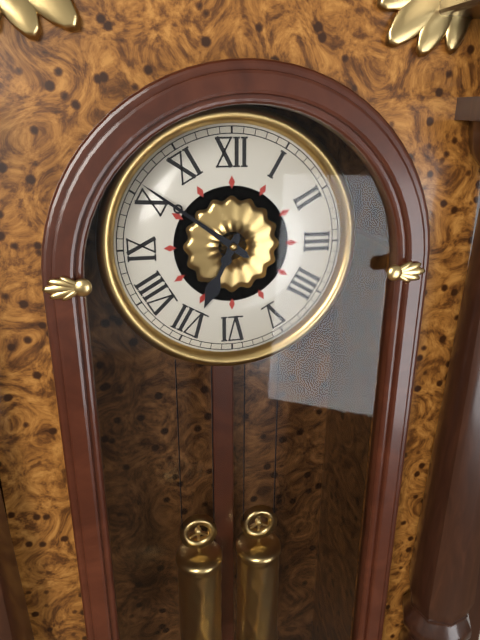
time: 6:51
